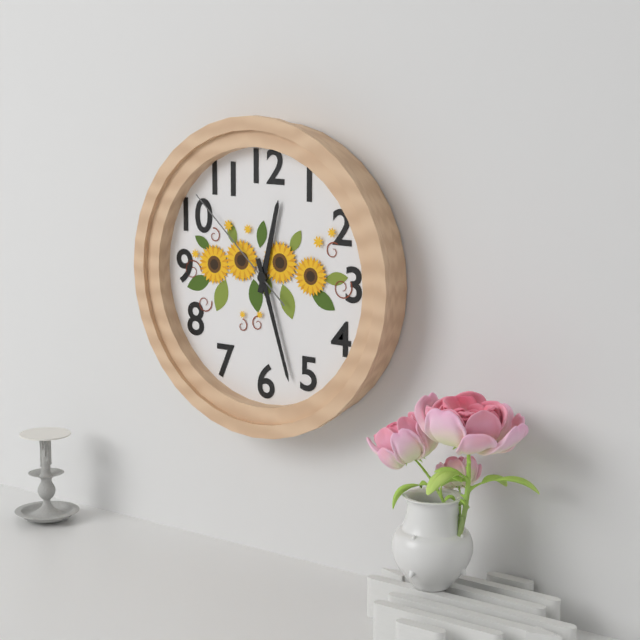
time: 12:27:52
